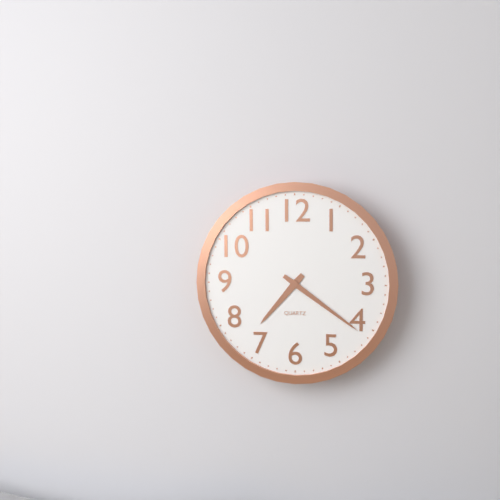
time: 7:21
